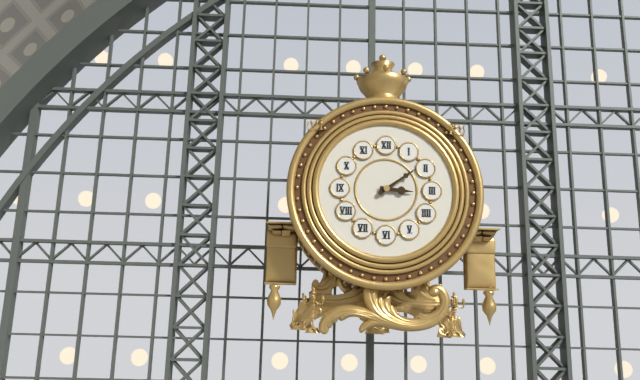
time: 3:09
